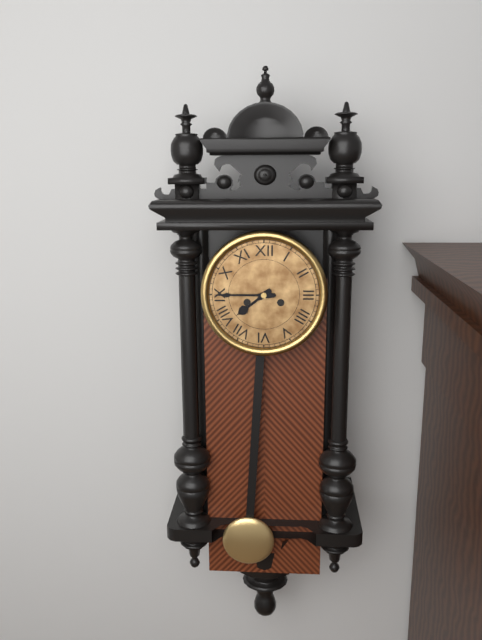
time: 7:45
